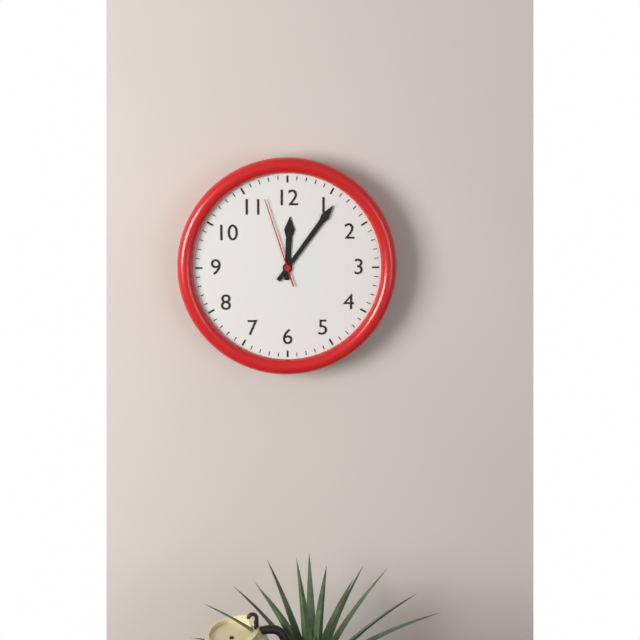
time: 12:06:57
